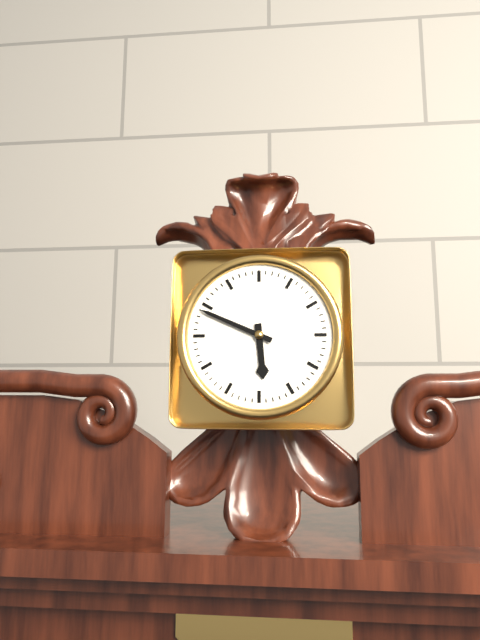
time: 5:49
